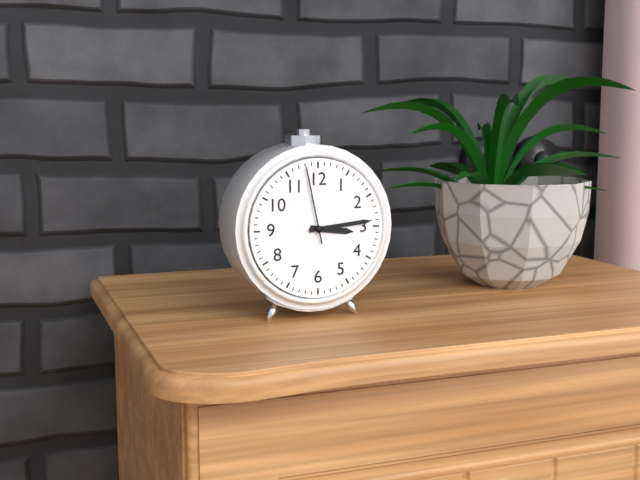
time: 3:14:58
